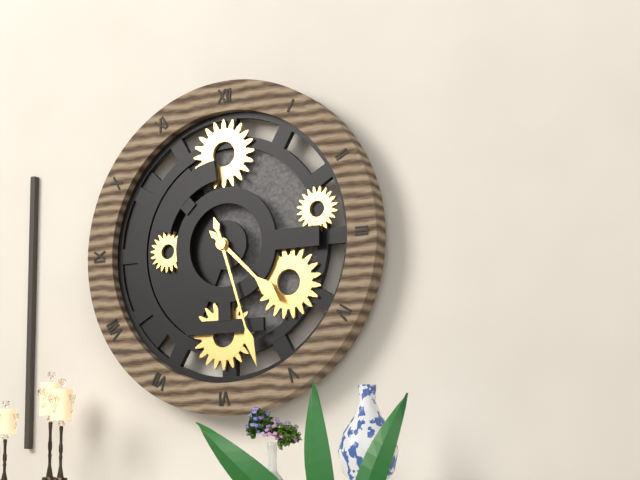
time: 4:27
